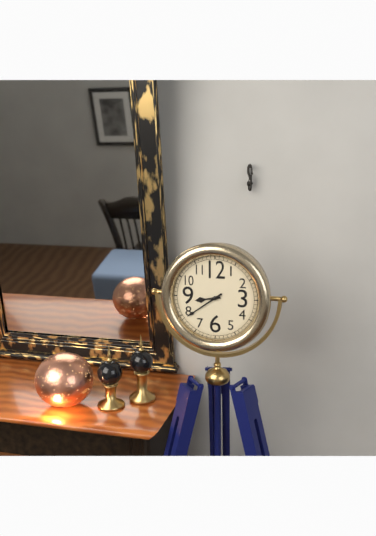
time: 8:39
